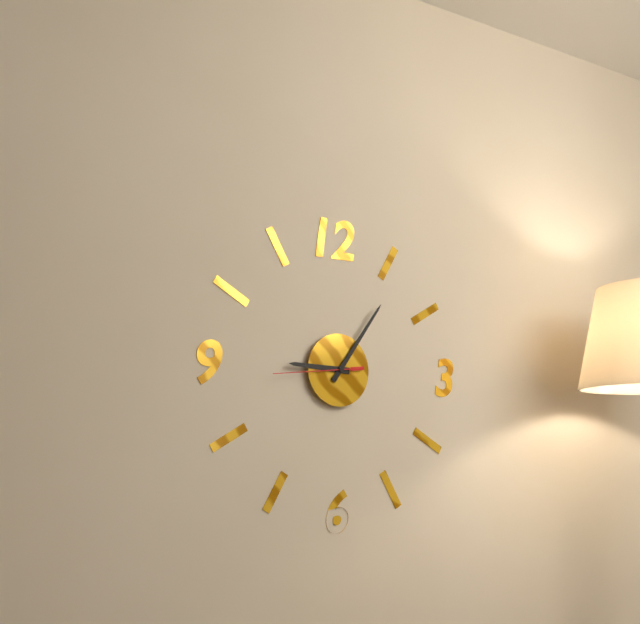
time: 9:06:44
